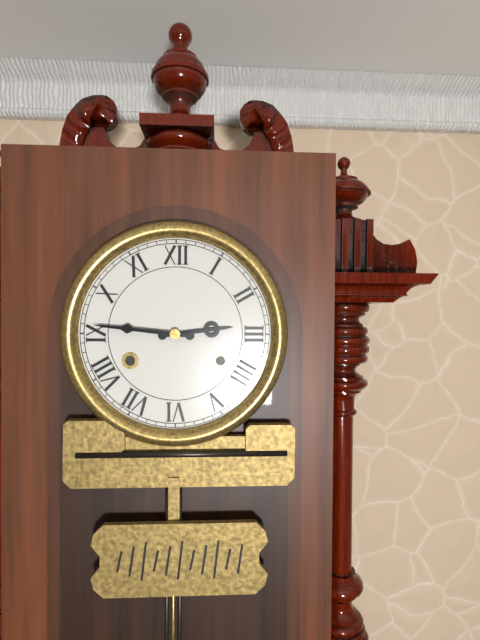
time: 2:46
